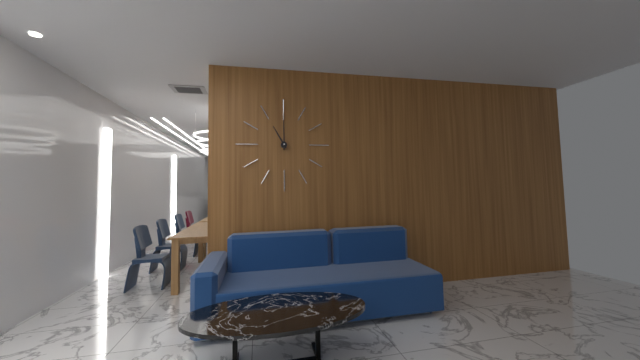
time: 11:00
